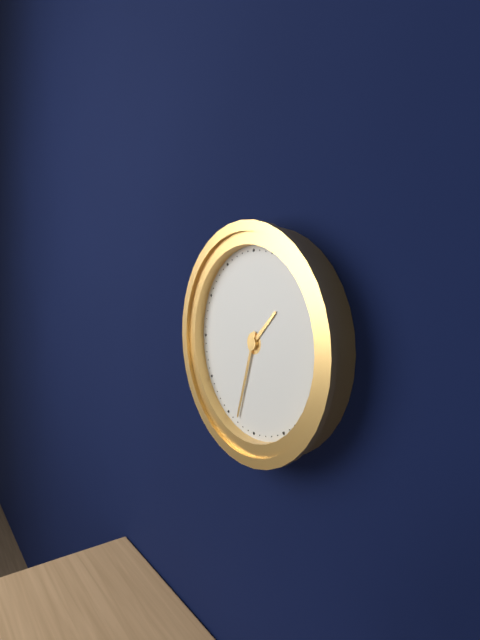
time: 1:33
